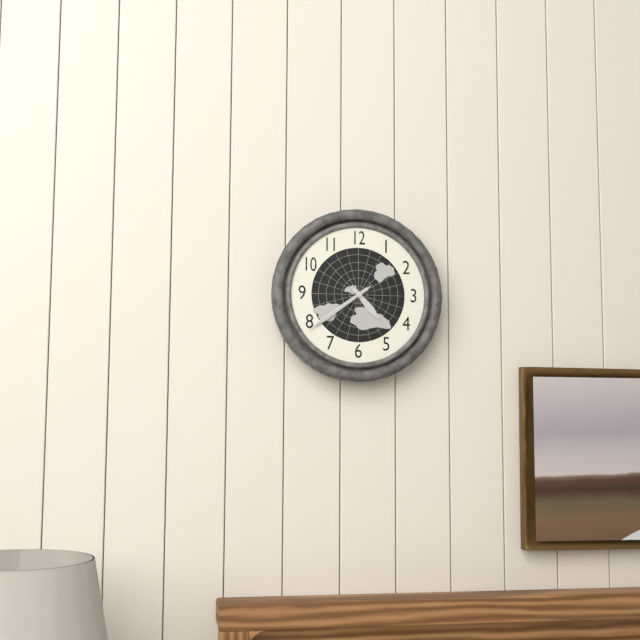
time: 4:39:39
